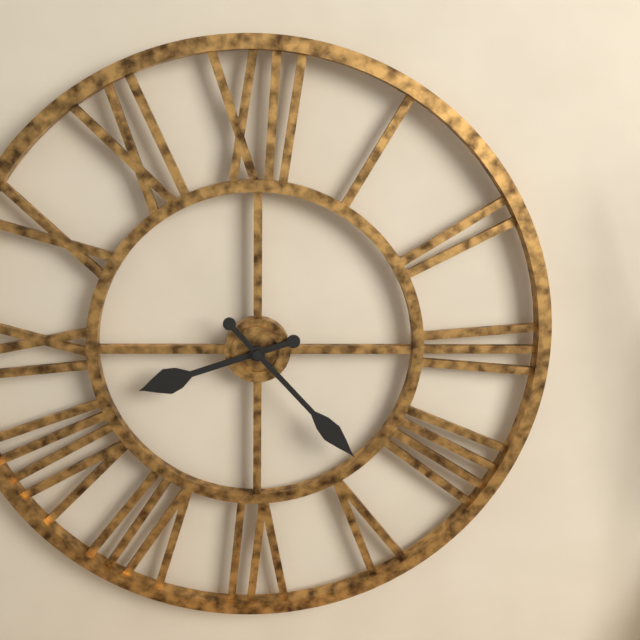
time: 8:23
